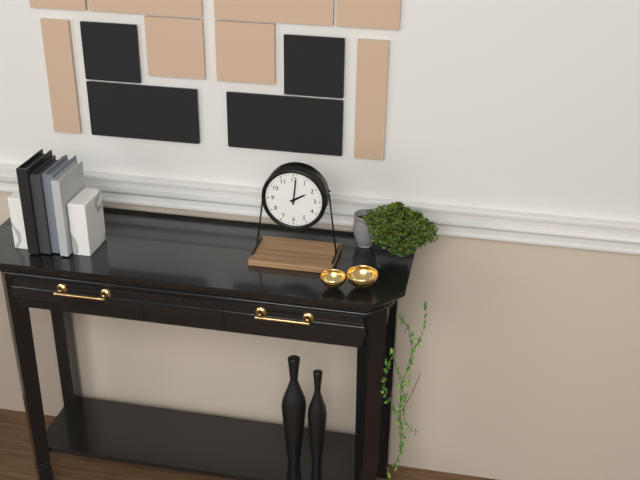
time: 2:01
